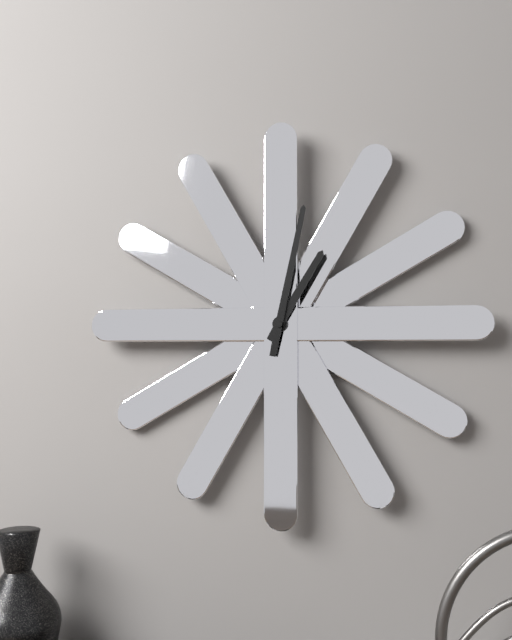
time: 1:02
